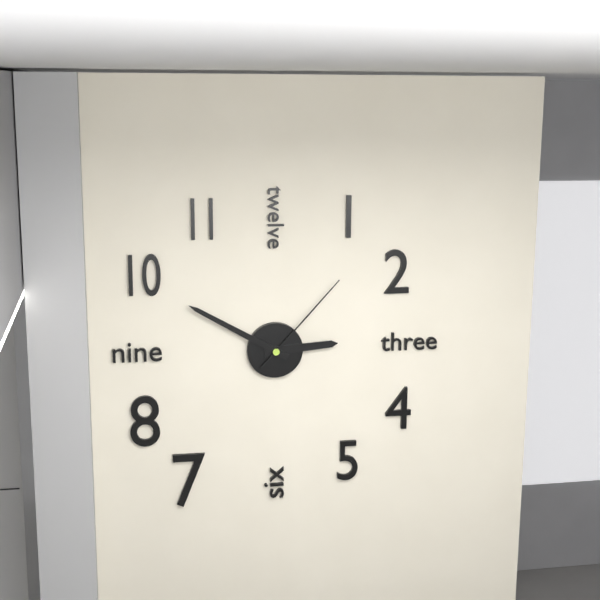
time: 2:50:07
